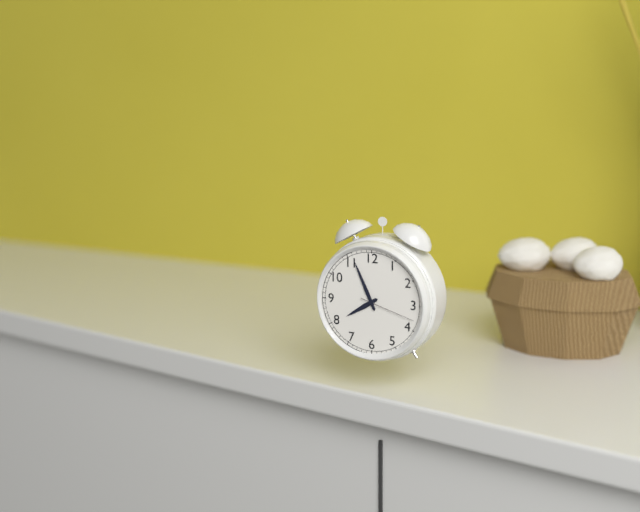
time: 7:56:18
